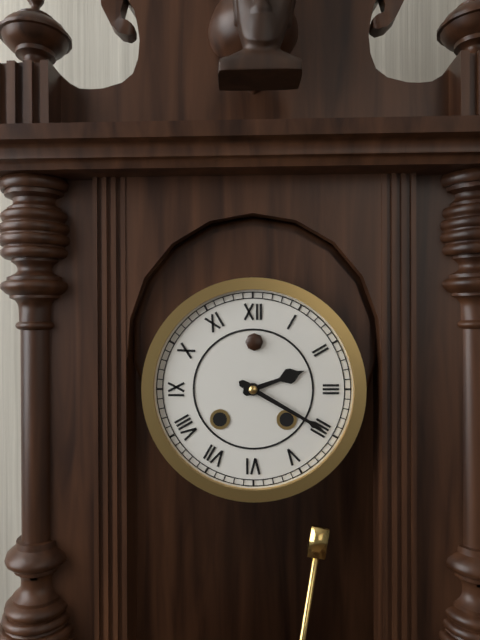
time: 2:20
